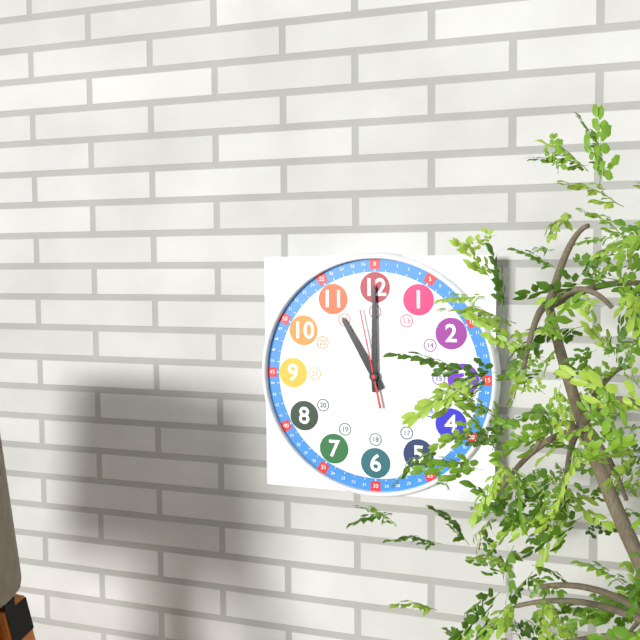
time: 11:00:58
